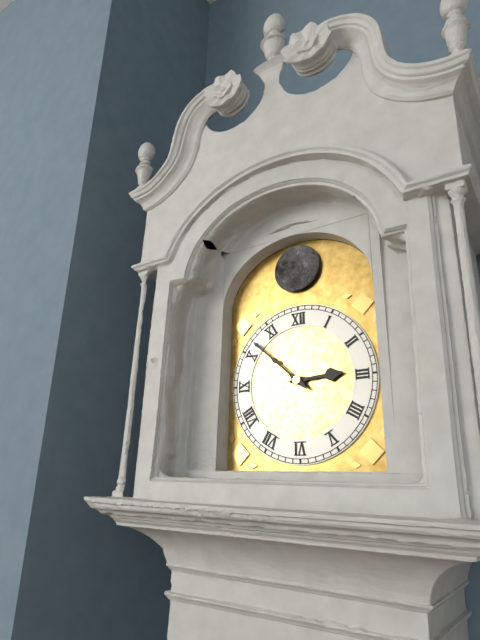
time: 2:52
